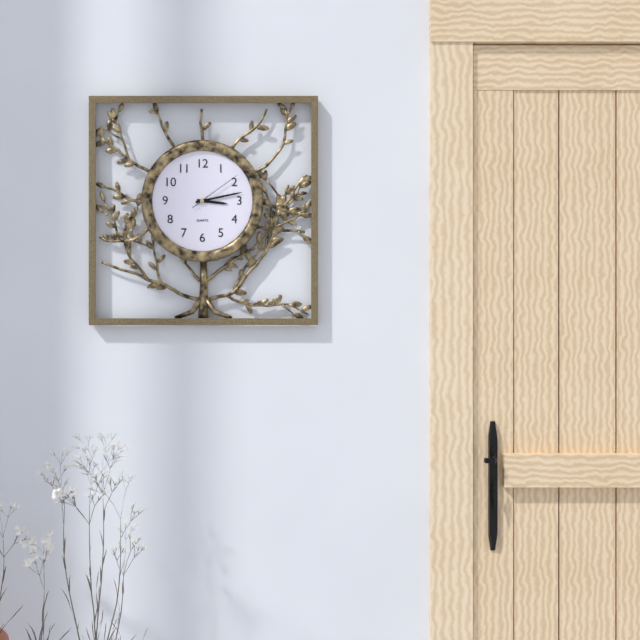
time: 3:13:09
